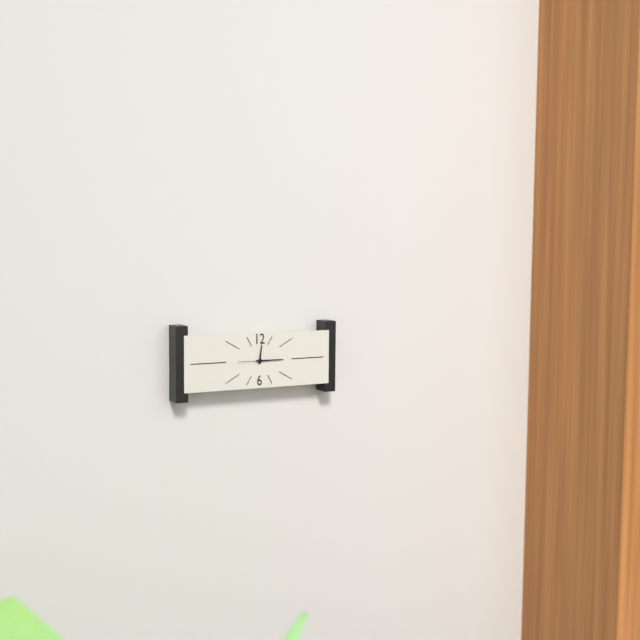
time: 12:15
